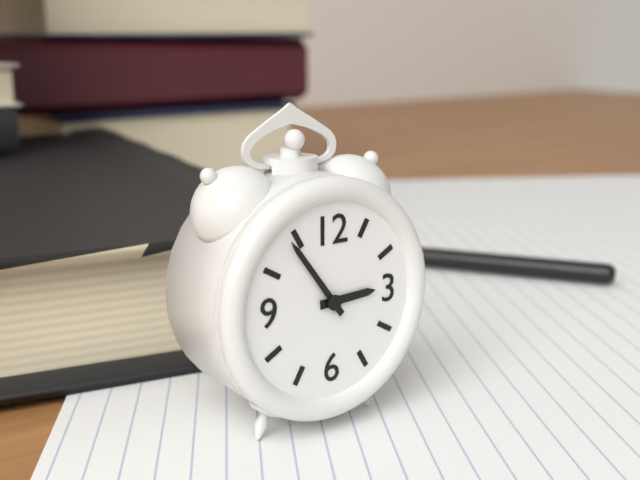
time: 2:54
